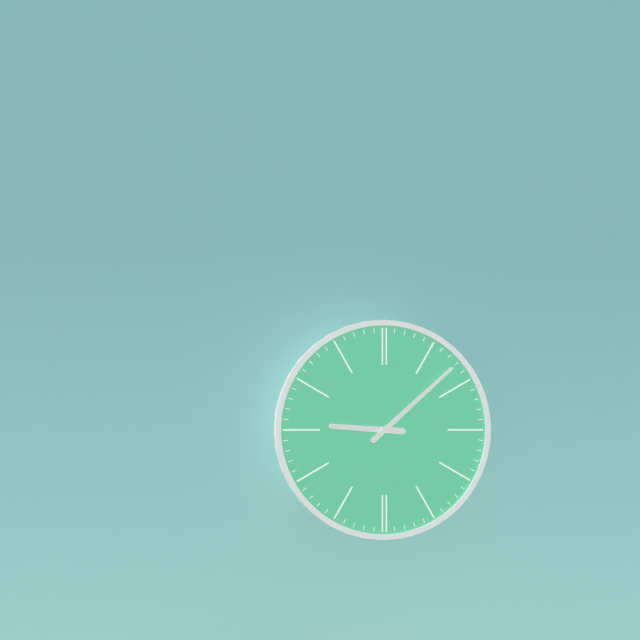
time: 9:08
